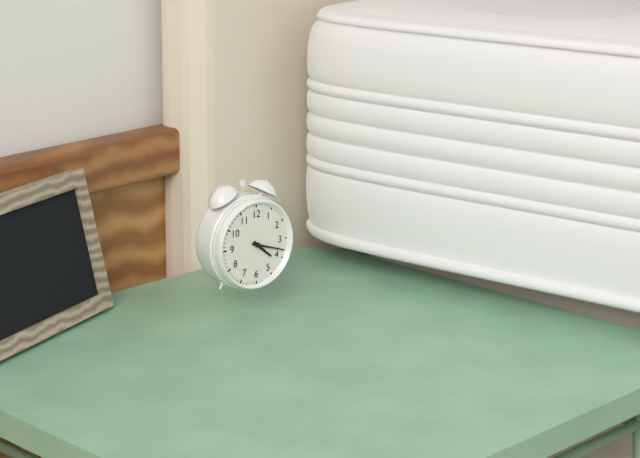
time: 4:18
